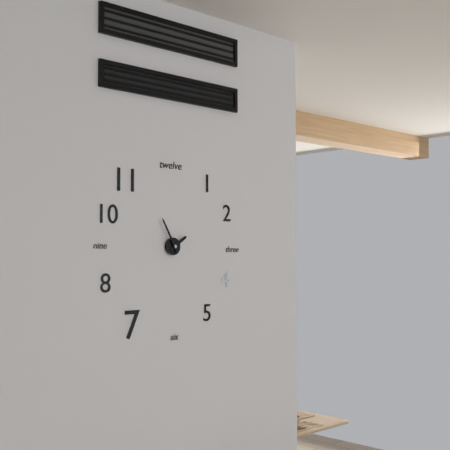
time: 1:55
